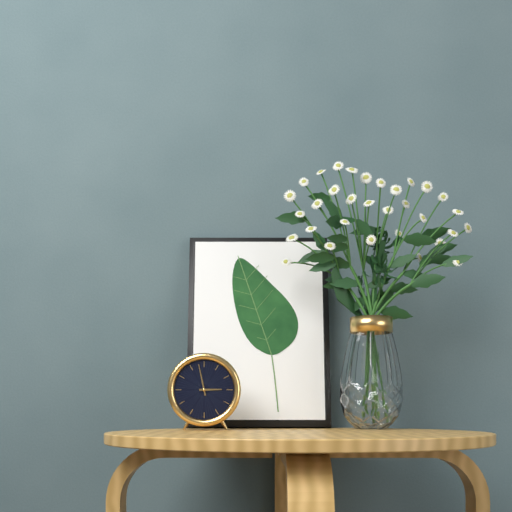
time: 2:58
